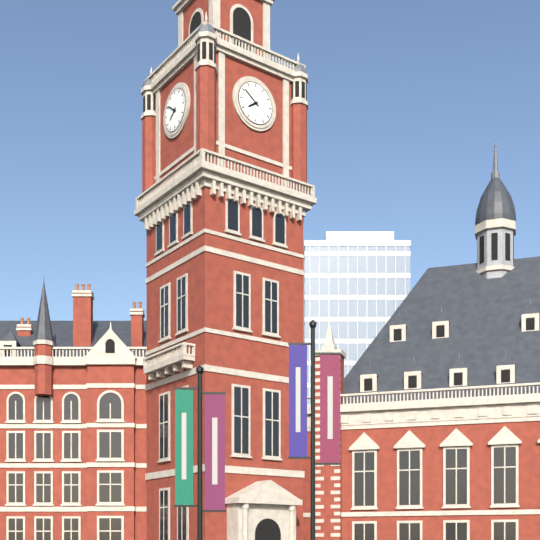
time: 7:51
